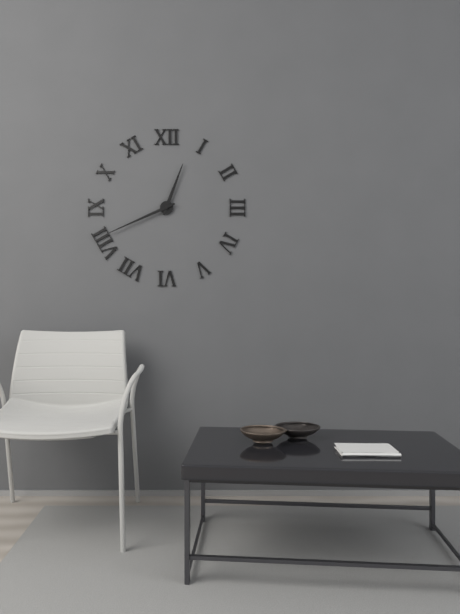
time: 12:41
